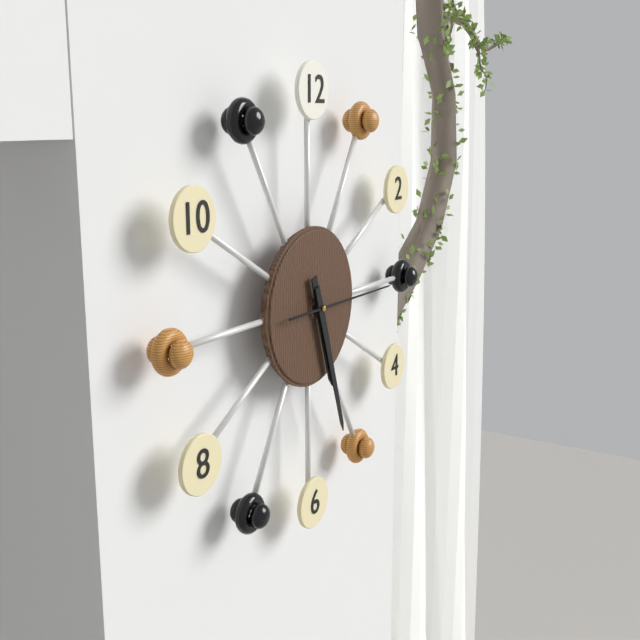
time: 5:27:15
